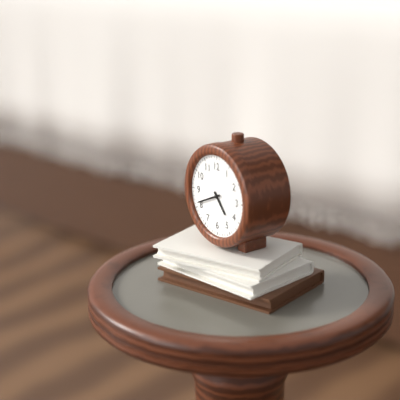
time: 4:41
